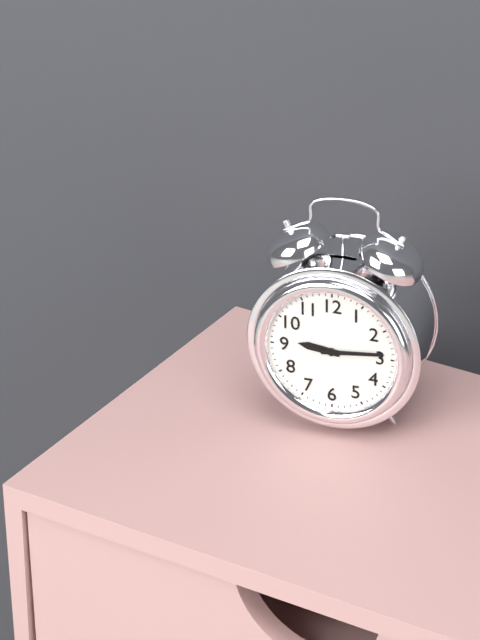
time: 9:14
